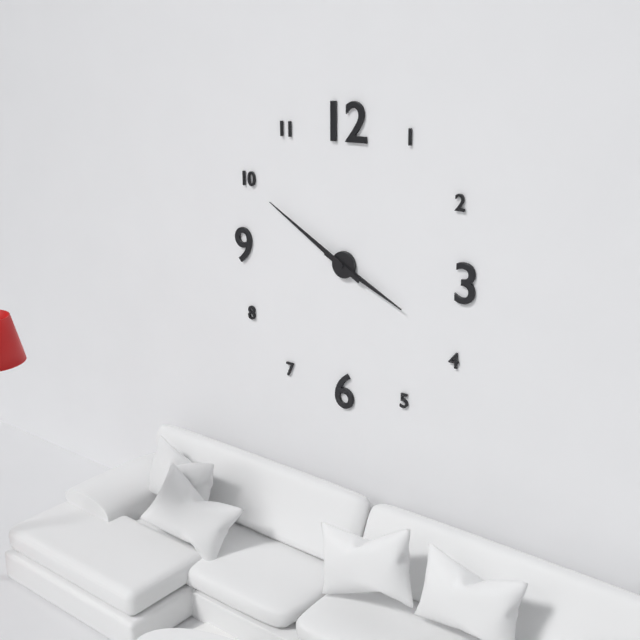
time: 3:50
